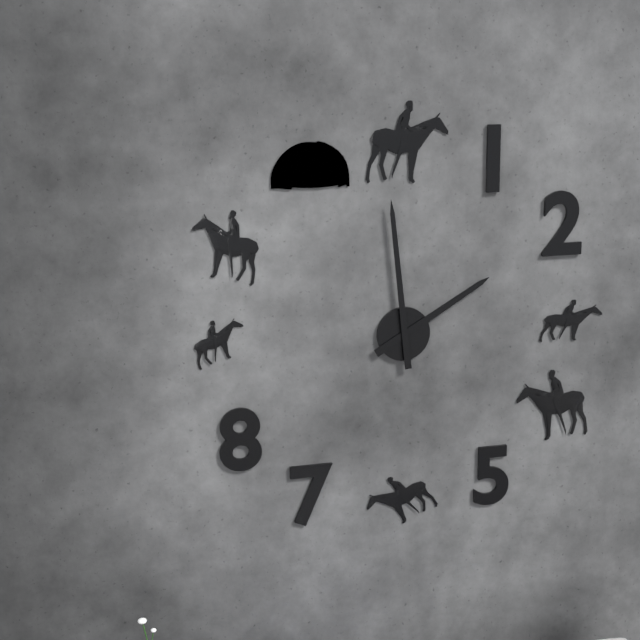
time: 1:59
